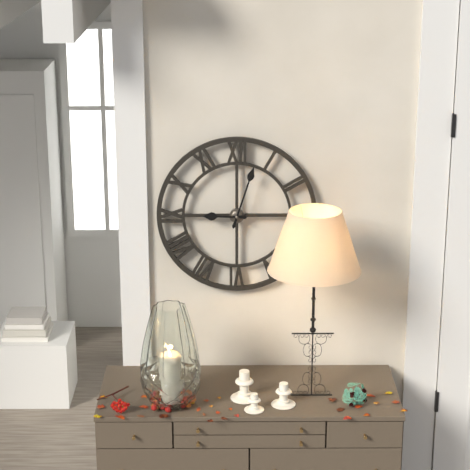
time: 9:03
